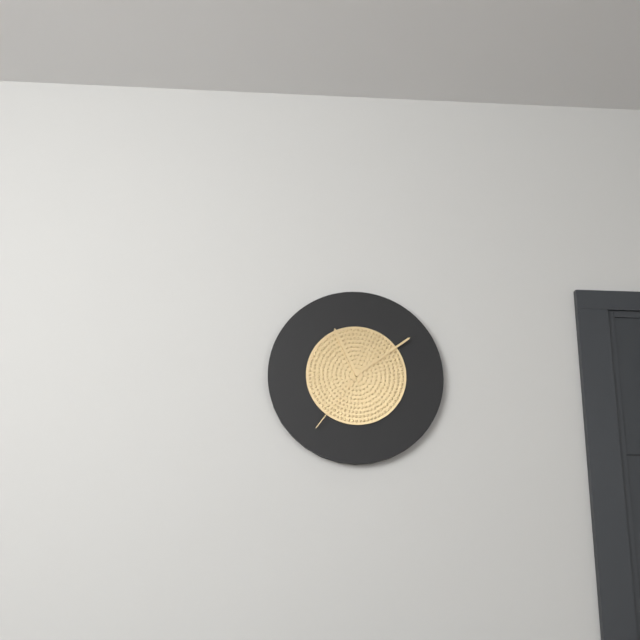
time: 11:09:36
